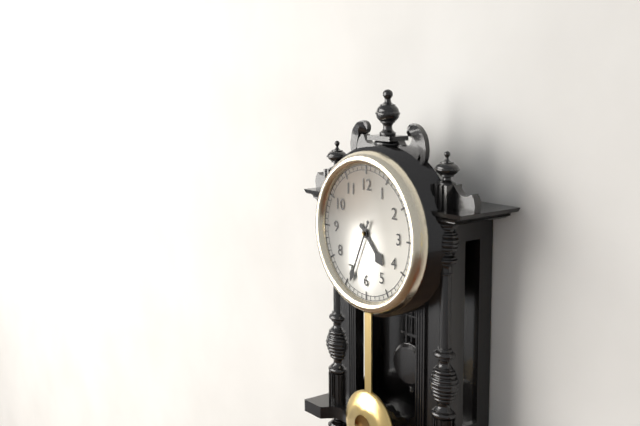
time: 4:34
